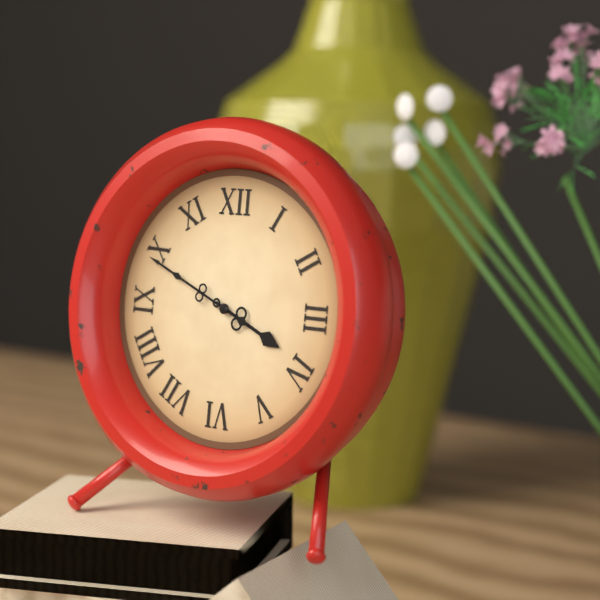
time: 3:49
